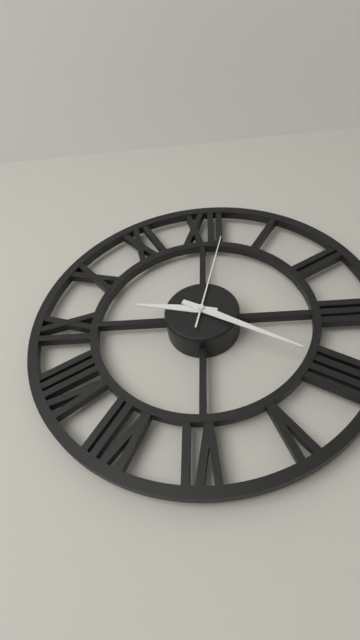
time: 9:20:02
